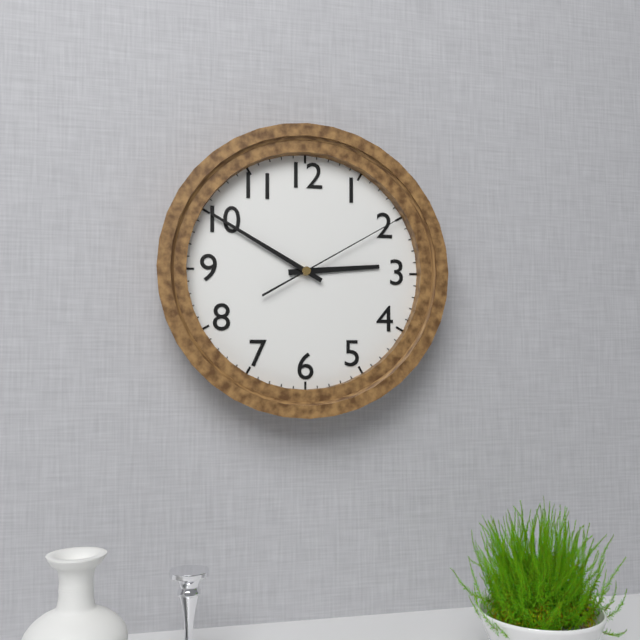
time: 2:50:10
